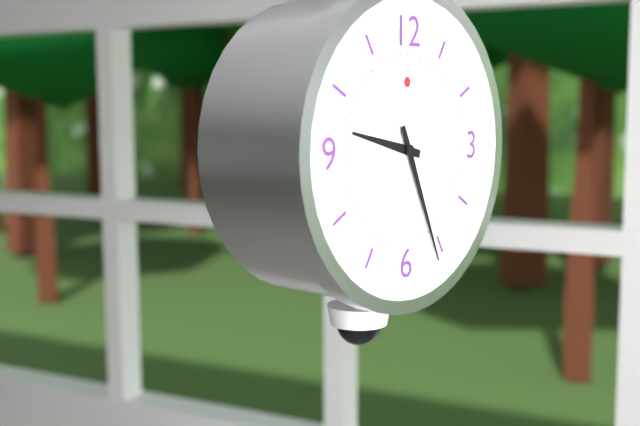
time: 9:26
